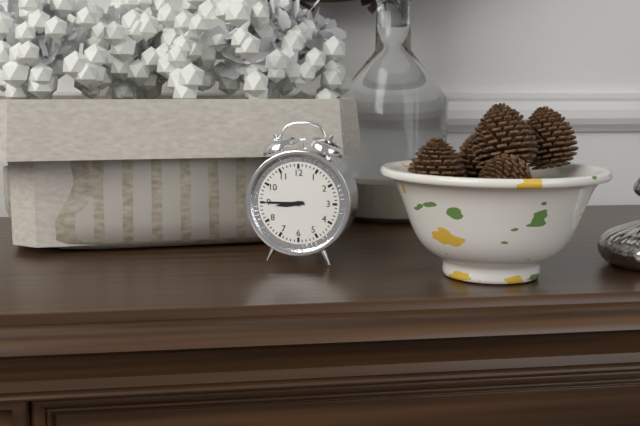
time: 8:45
